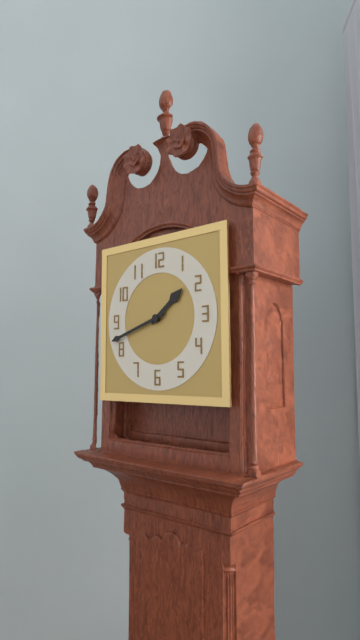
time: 1:42
